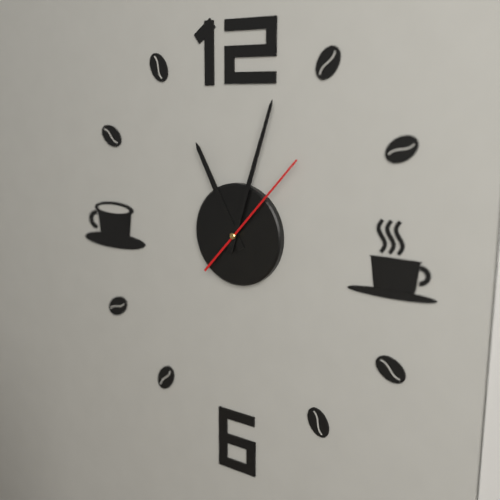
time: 11:03:07
